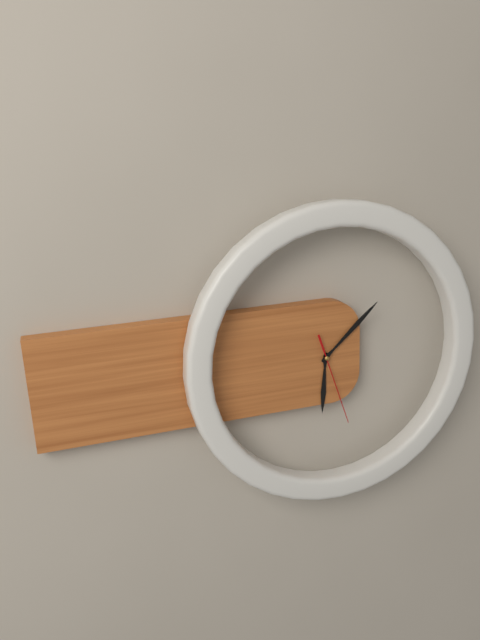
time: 6:08:27
